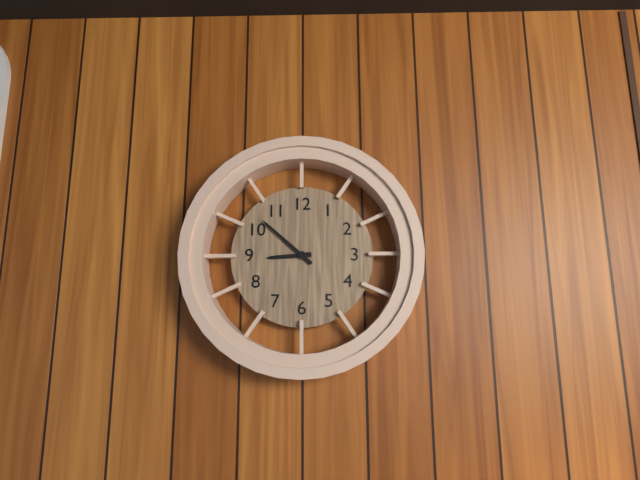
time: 8:52
